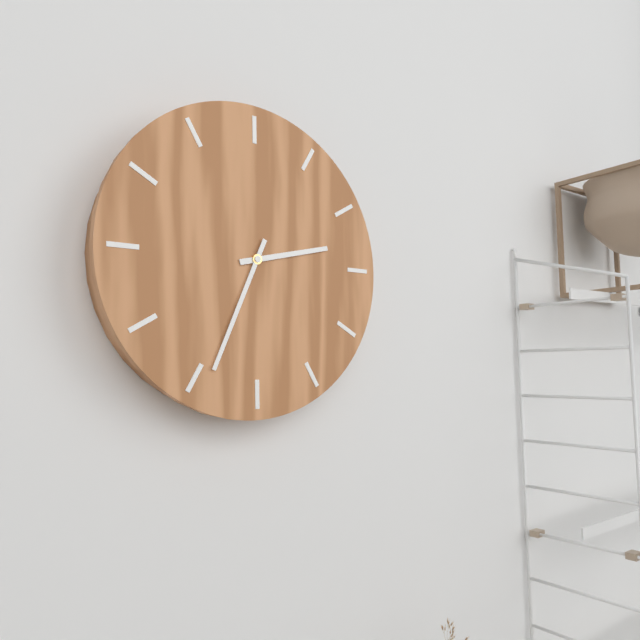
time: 2:34
